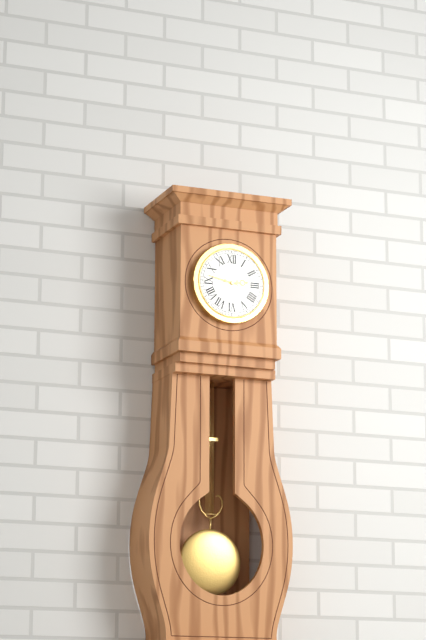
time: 2:47
